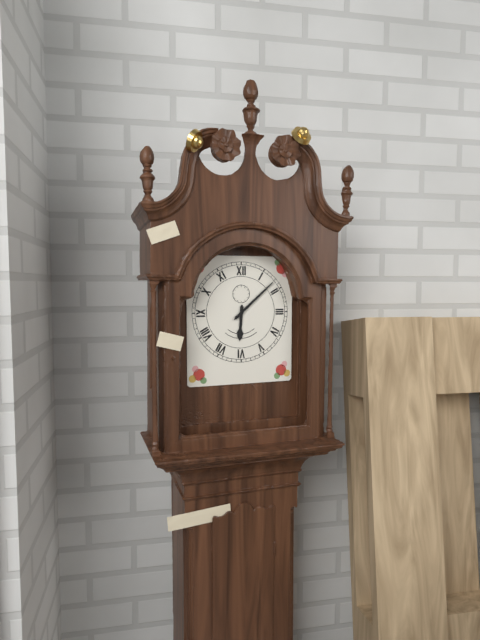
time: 6:08
